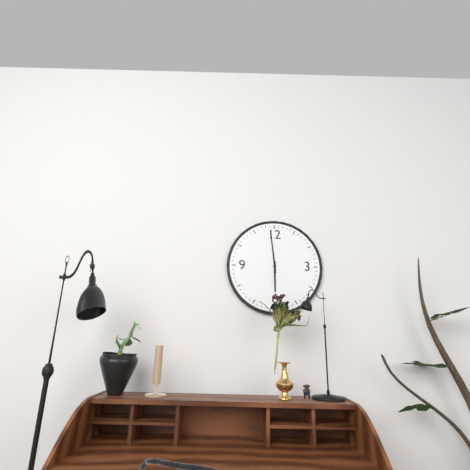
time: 5:59
